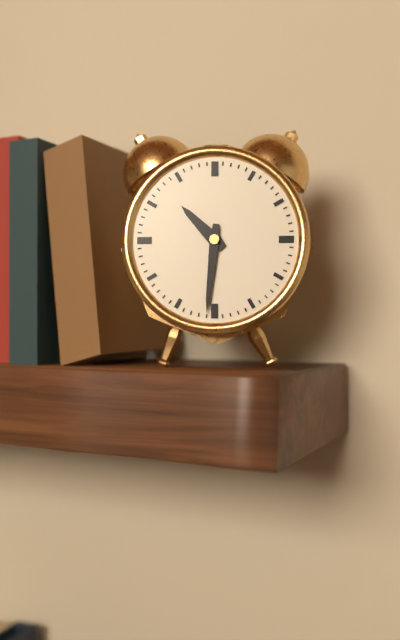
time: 10:31
